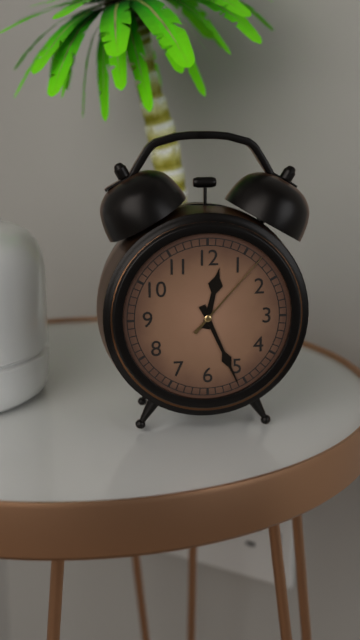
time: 12:26:07
